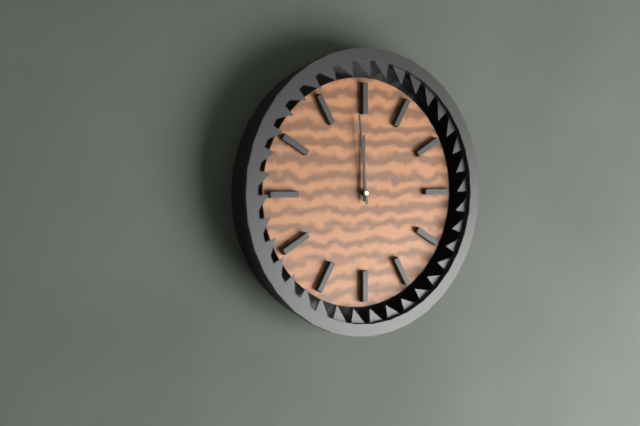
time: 11:59
